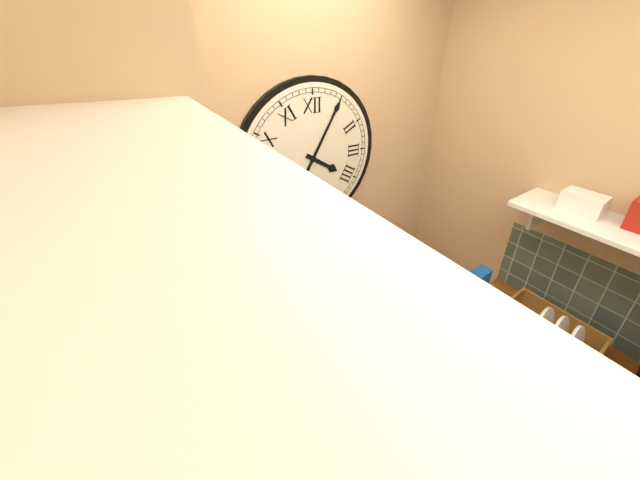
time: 4:05
